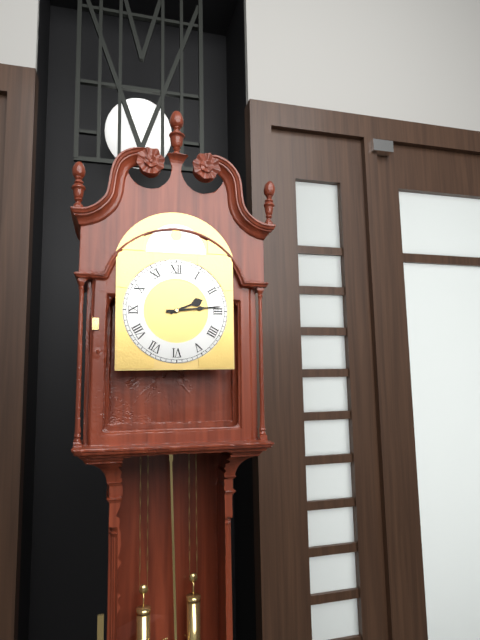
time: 2:14
